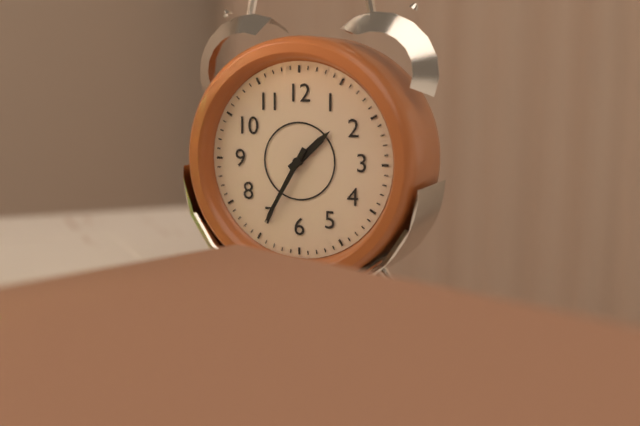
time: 1:35
